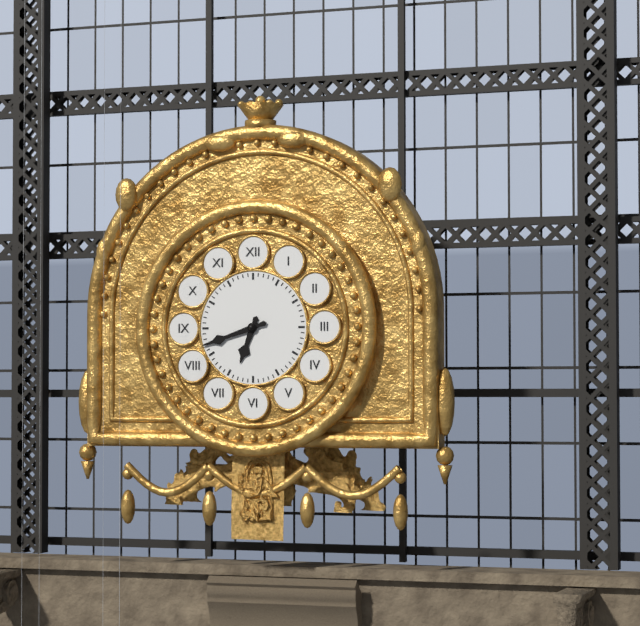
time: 6:42
